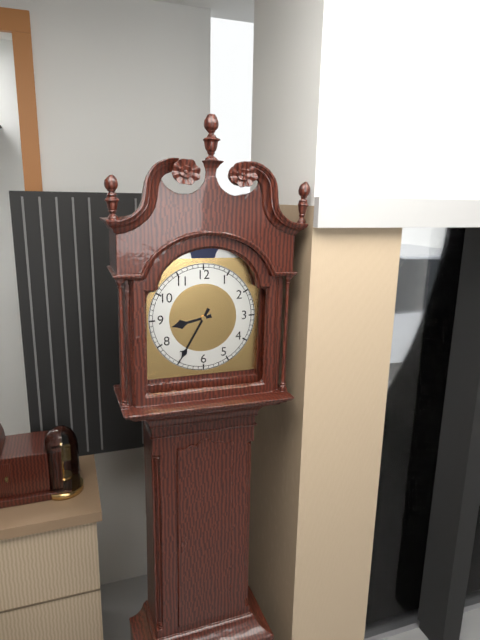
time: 8:35
